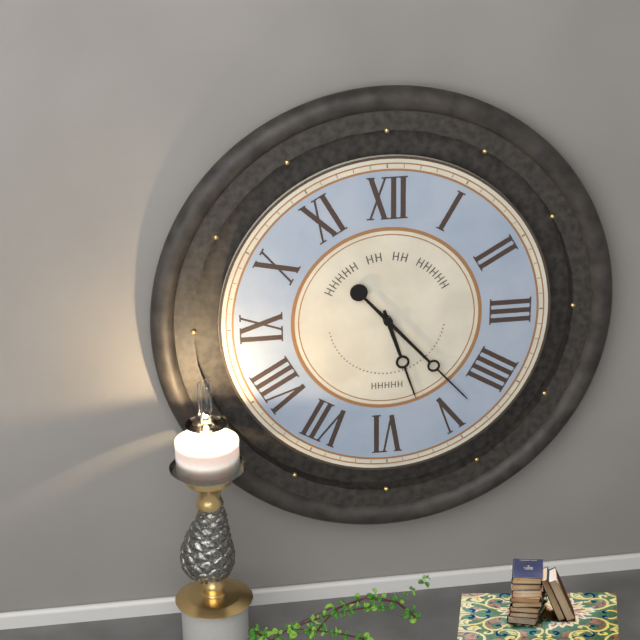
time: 5:23
